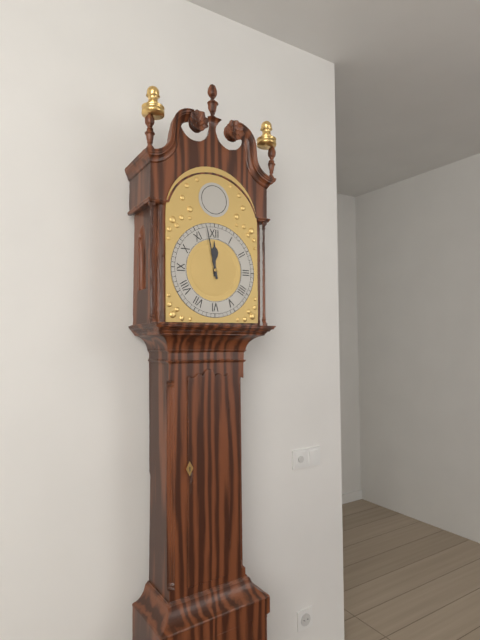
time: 11:58
